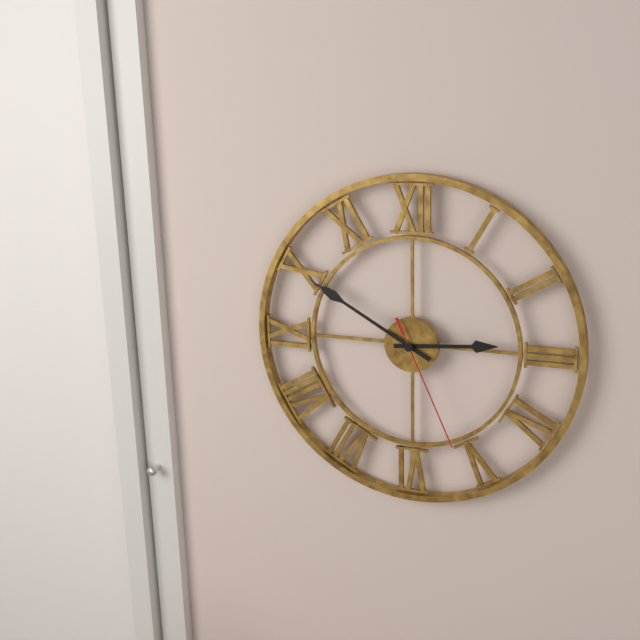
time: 2:50:26
